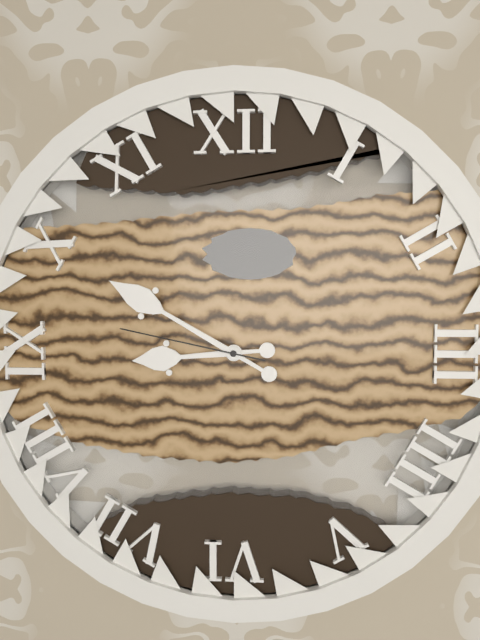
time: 8:50:47
